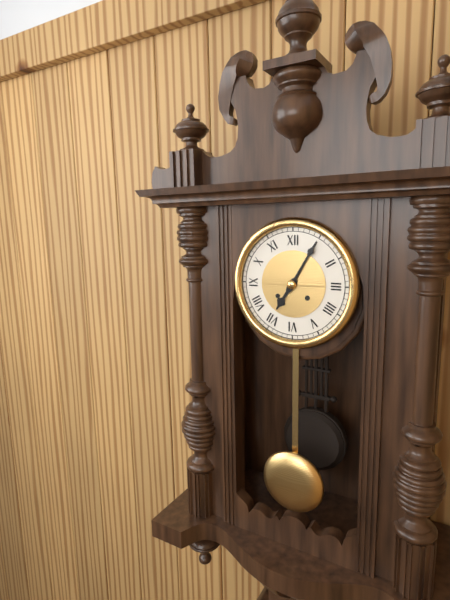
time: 7:05
